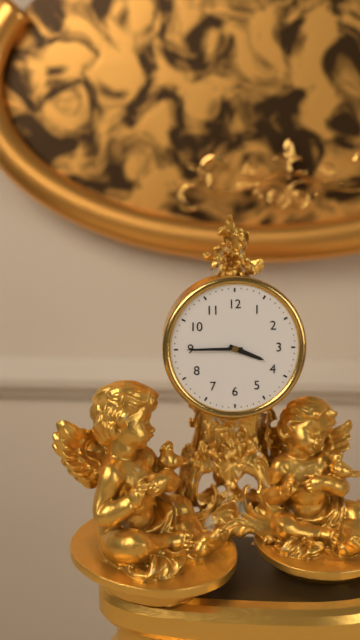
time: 3:45
